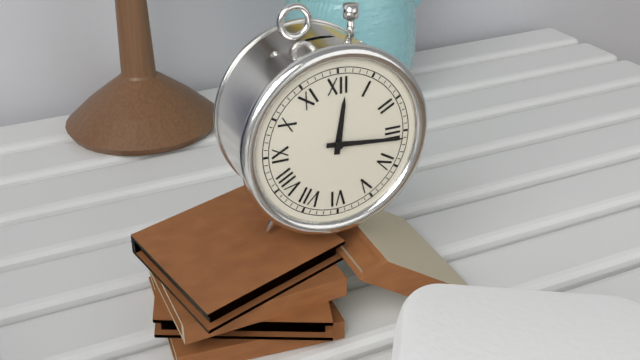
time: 12:16
